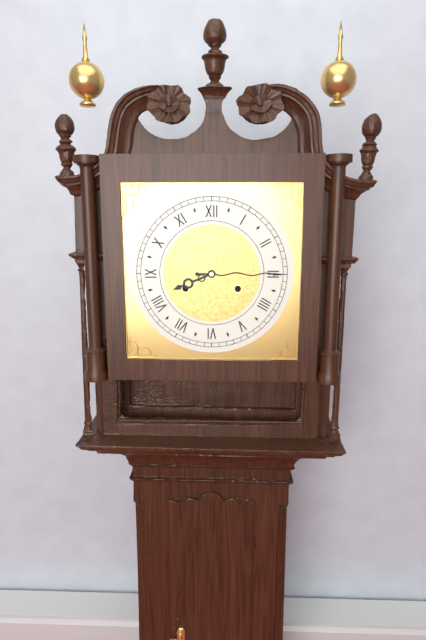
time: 8:15
